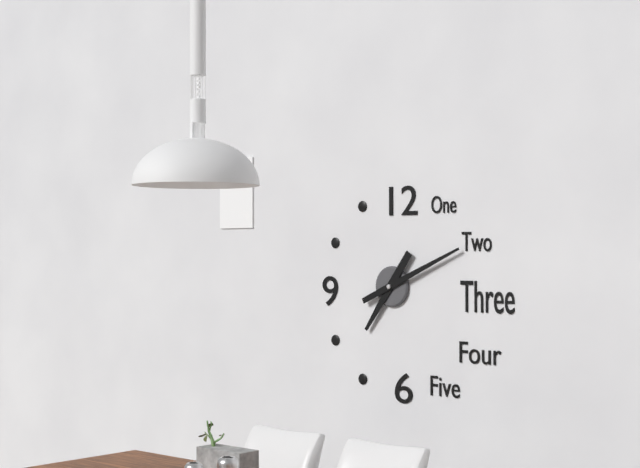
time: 7:11
